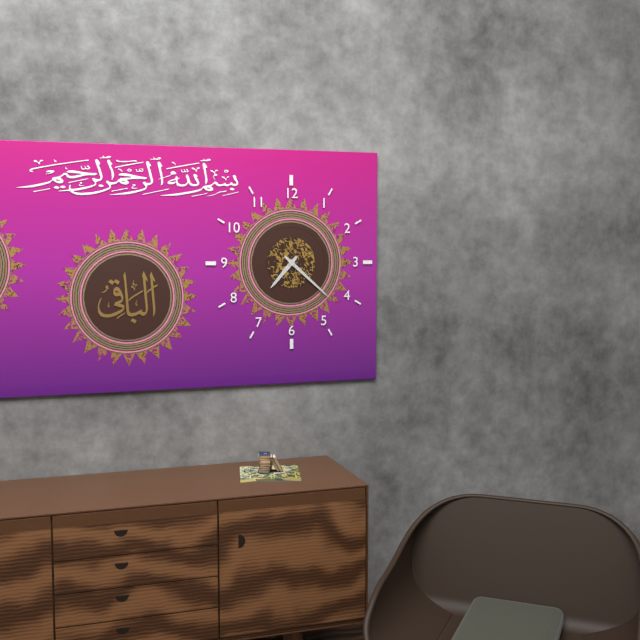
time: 7:22
